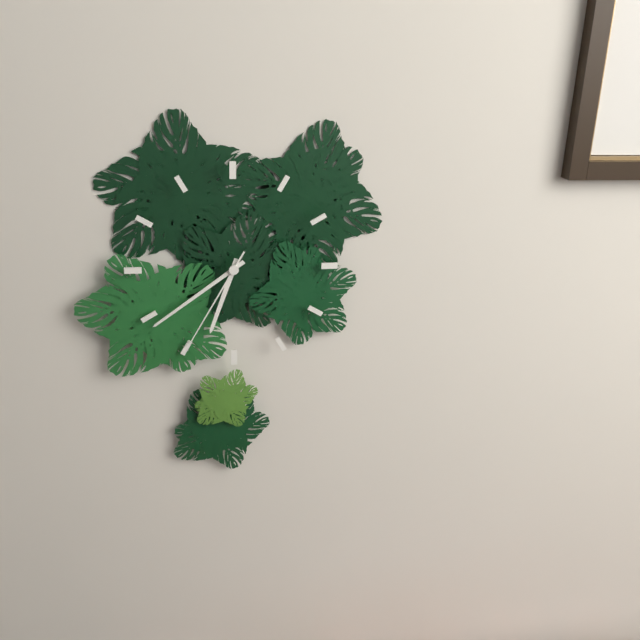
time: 6:39:35
